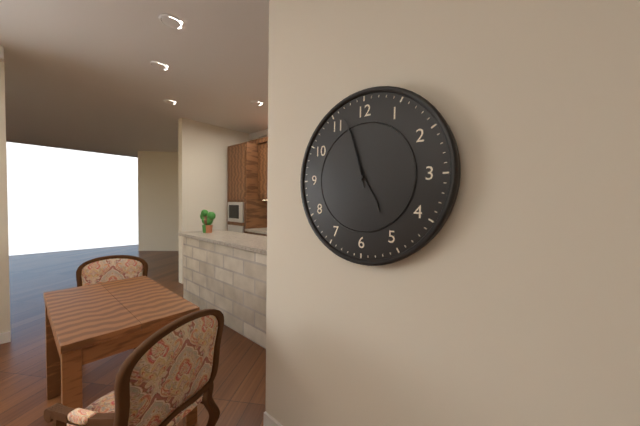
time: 4:57
